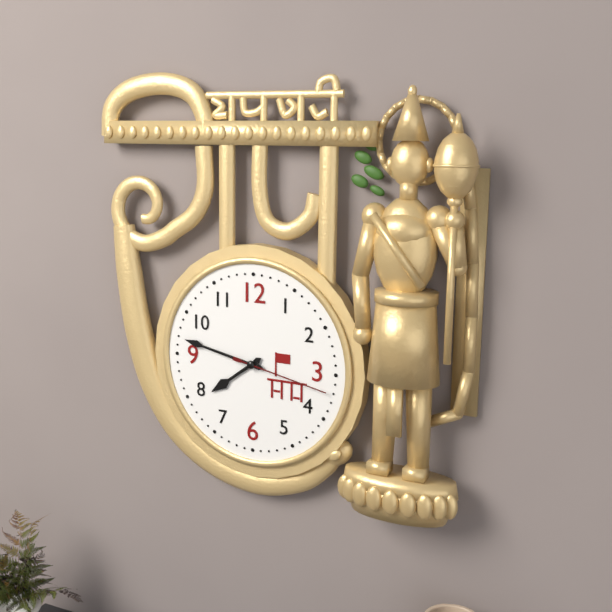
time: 7:47:17
